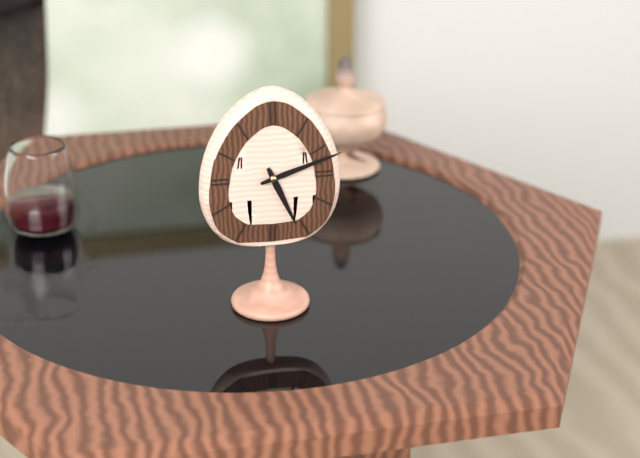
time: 5:12
